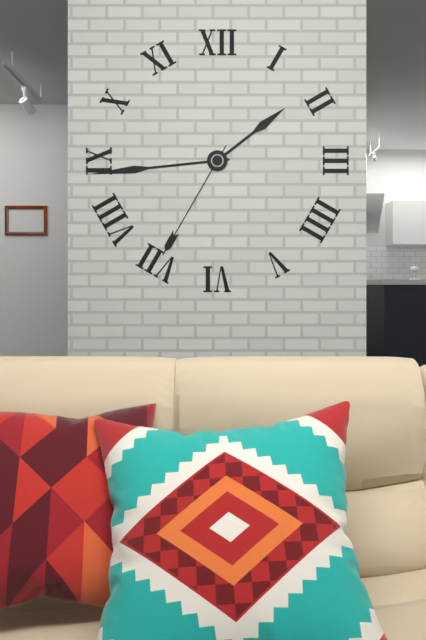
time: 1:44:35
